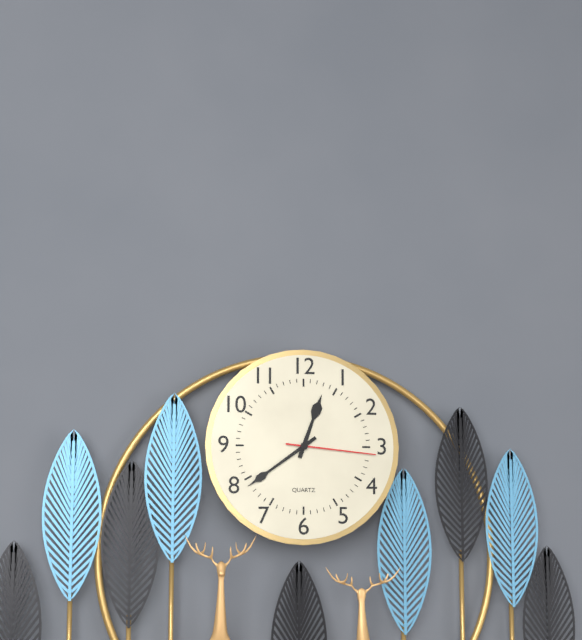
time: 12:39:16
